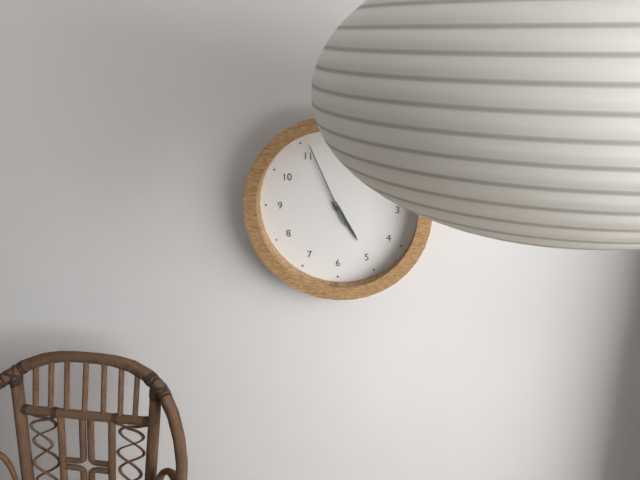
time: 4:56
